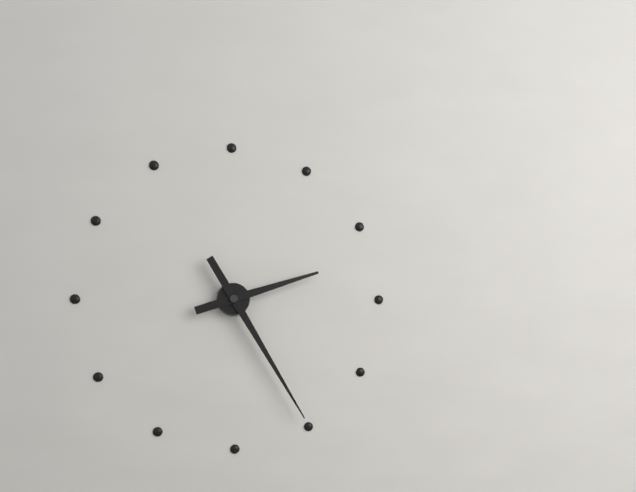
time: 2:25
